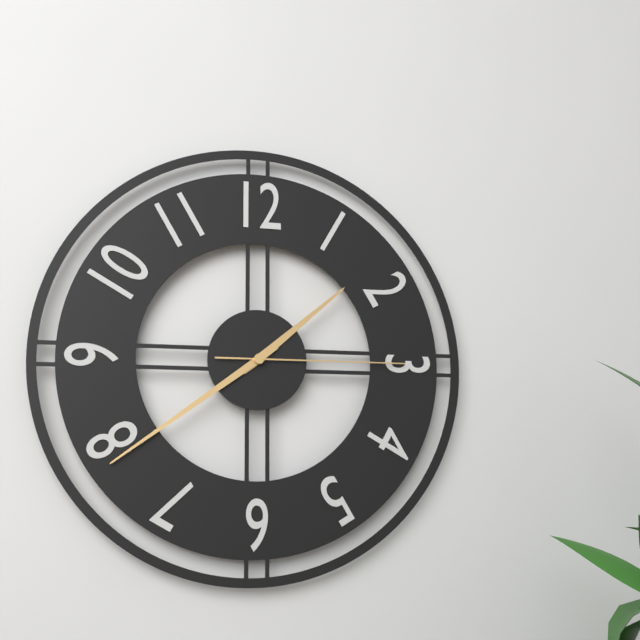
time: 1:39:15
